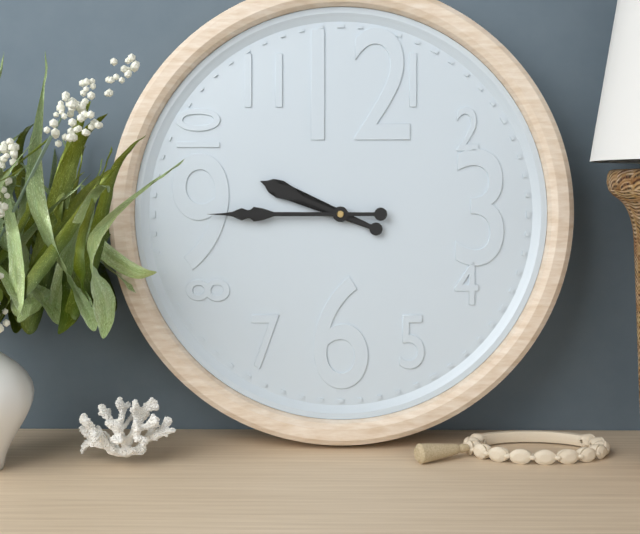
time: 9:45
